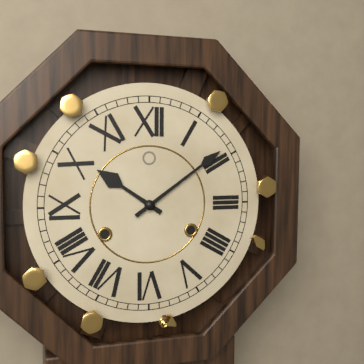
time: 10:09
